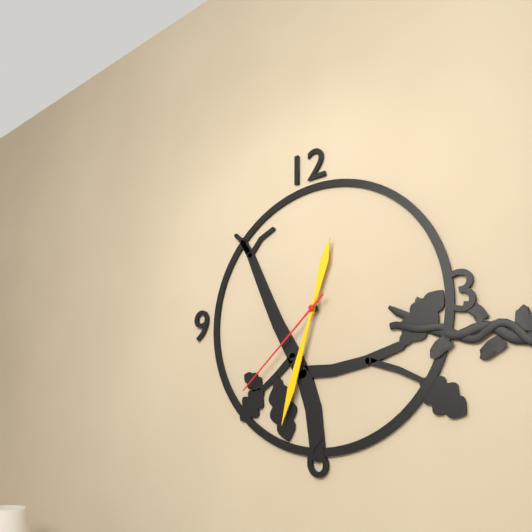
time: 12:33:38
